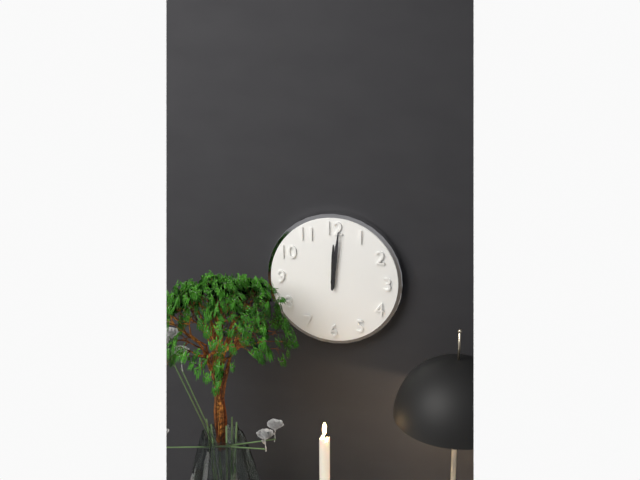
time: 12:01
